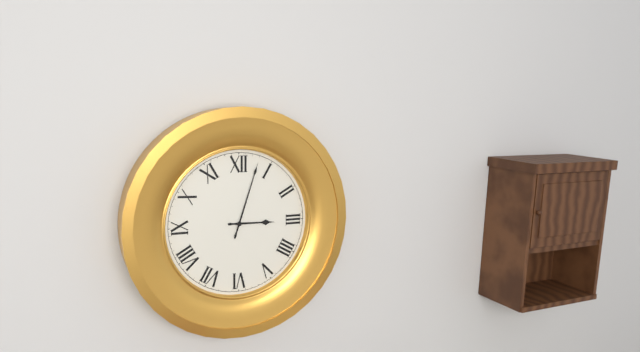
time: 3:03
